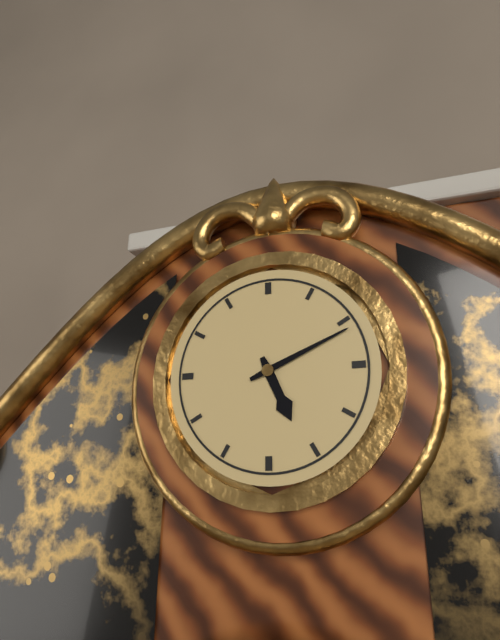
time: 5:11
